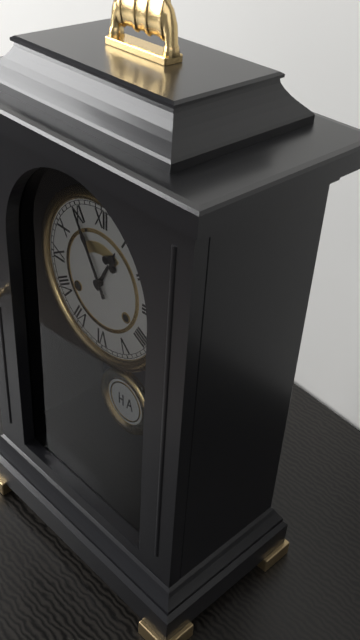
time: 12:55
